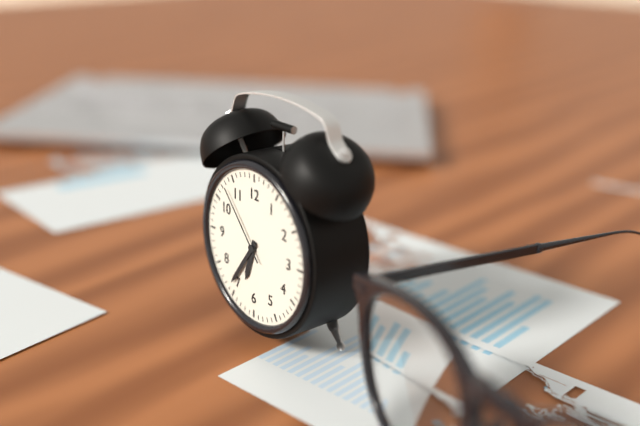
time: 6:36:53
